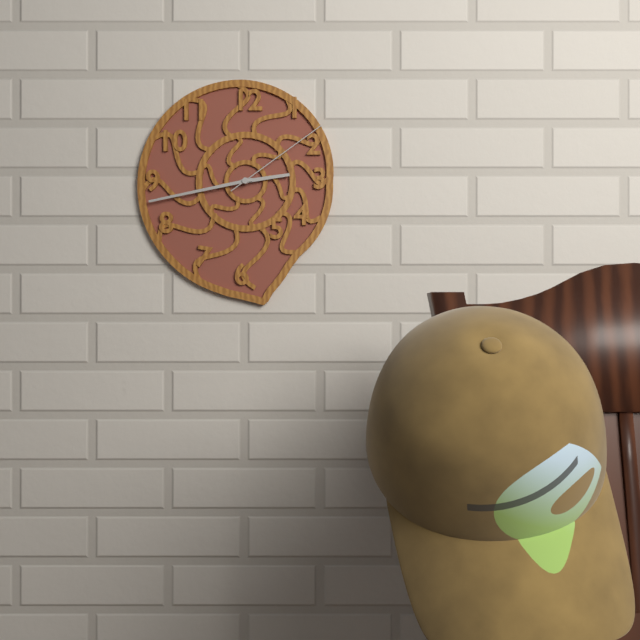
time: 2:43:09
